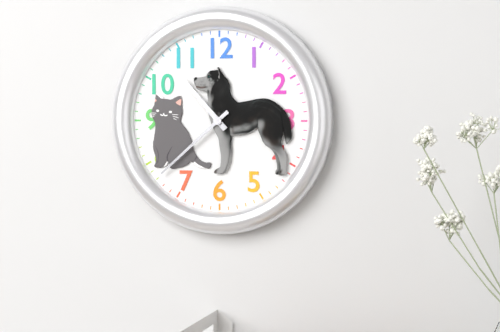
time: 10:38
